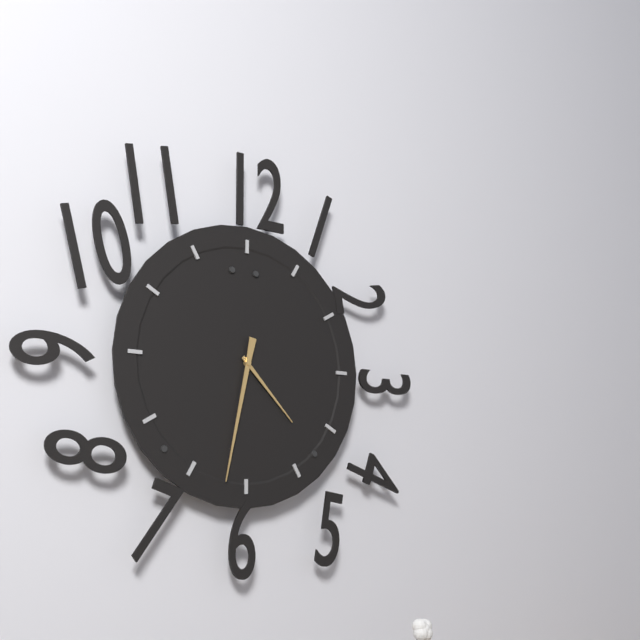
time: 4:32
